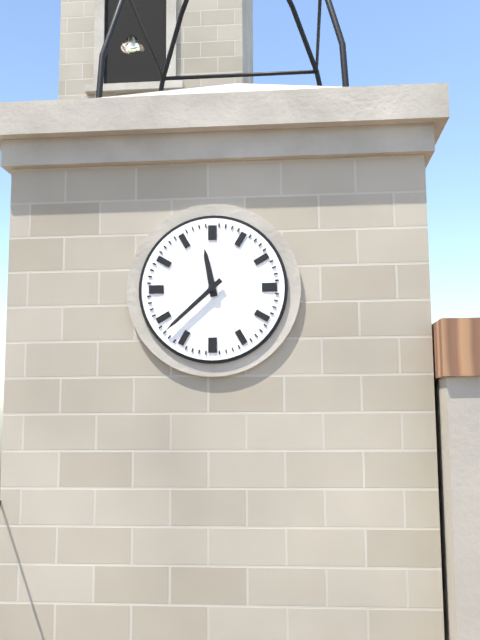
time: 11:38
